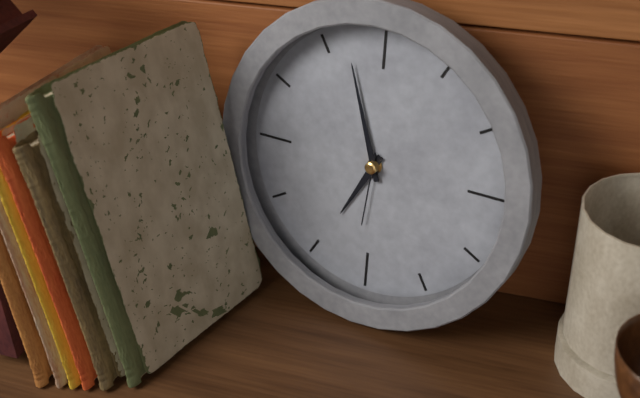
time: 6:57:31
